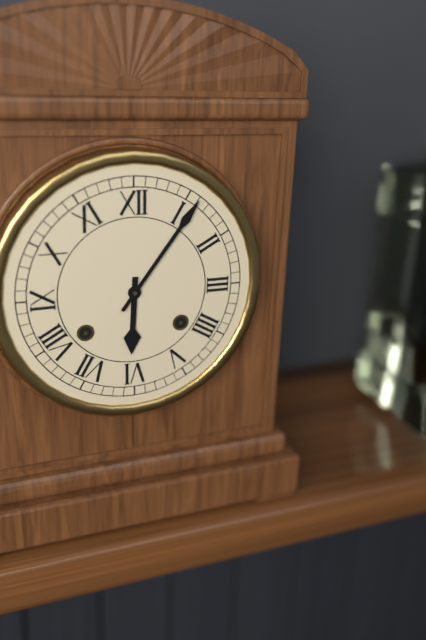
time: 6:06
